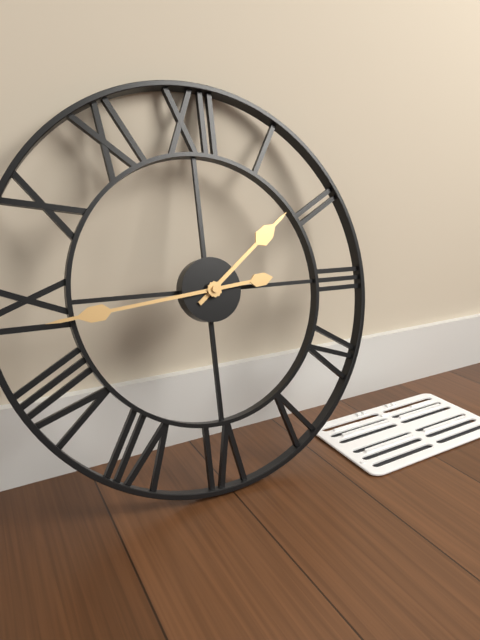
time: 1:44
